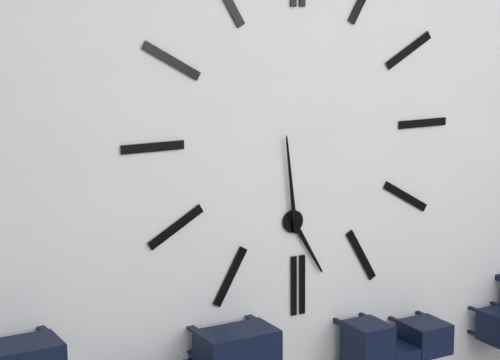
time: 4:59
